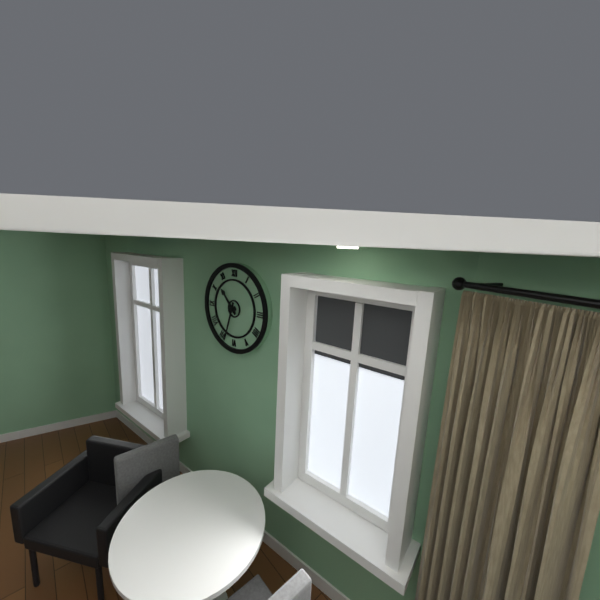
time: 10:33
